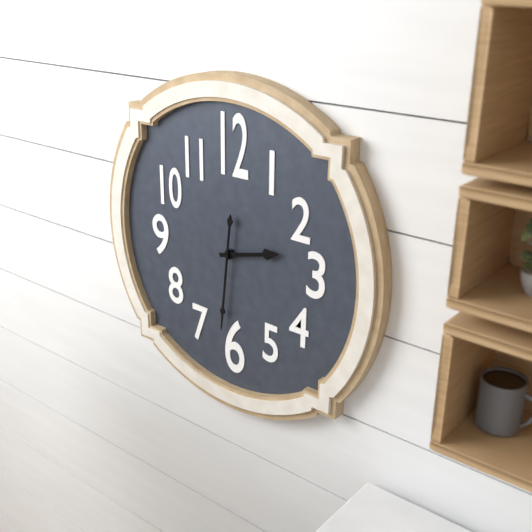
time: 2:31
